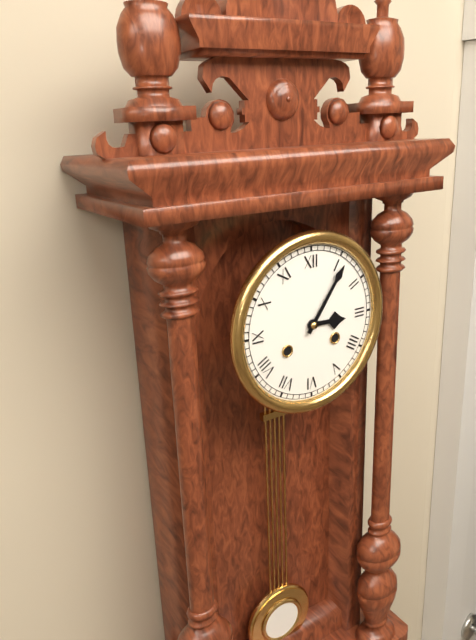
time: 3:06
